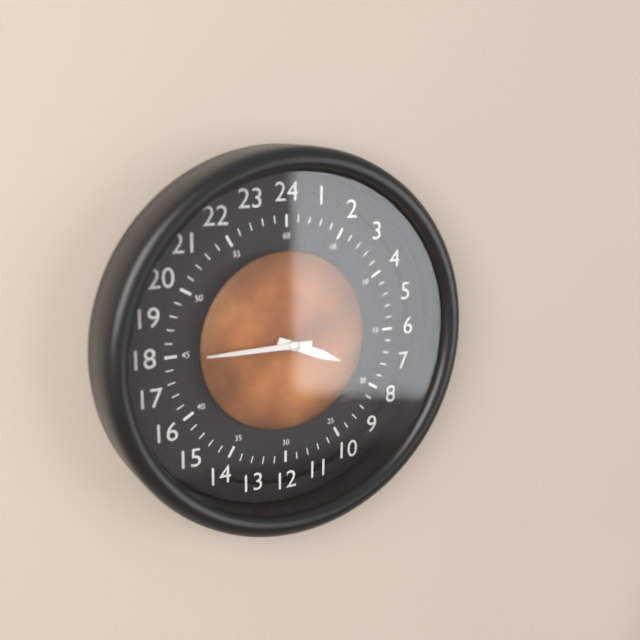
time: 3:45
